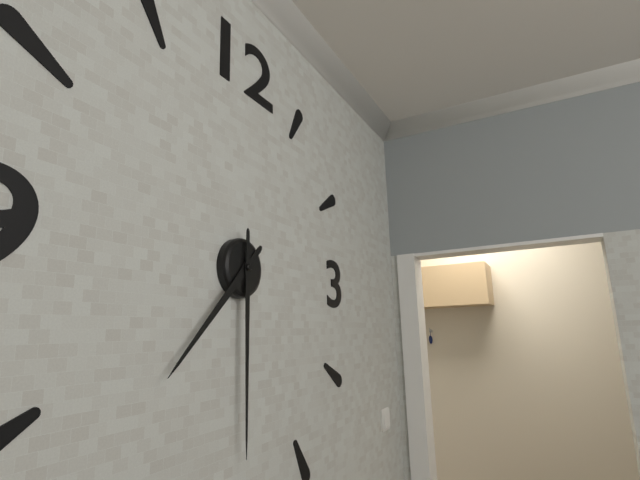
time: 7:30
